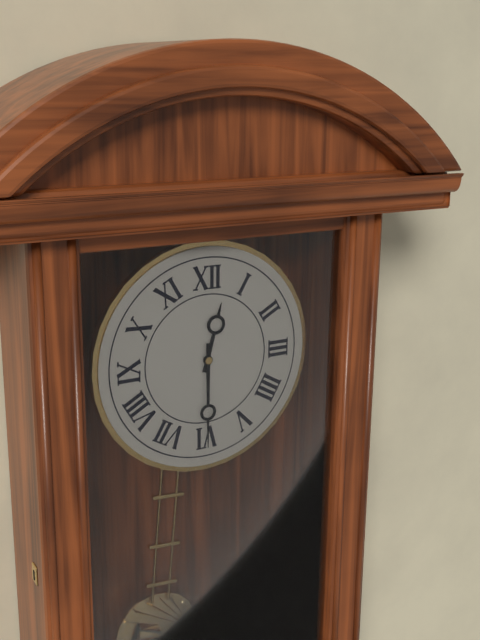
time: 12:30
